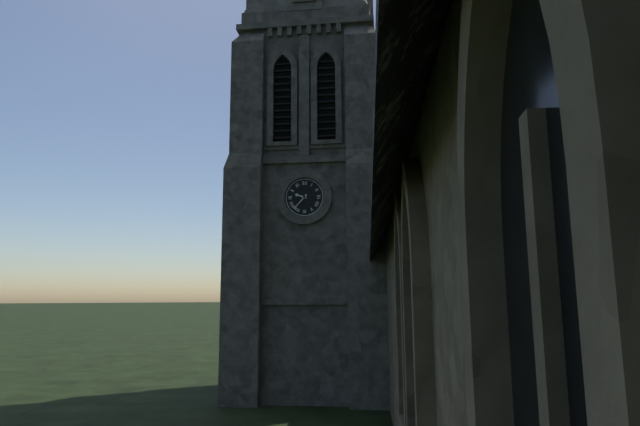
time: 9:37
